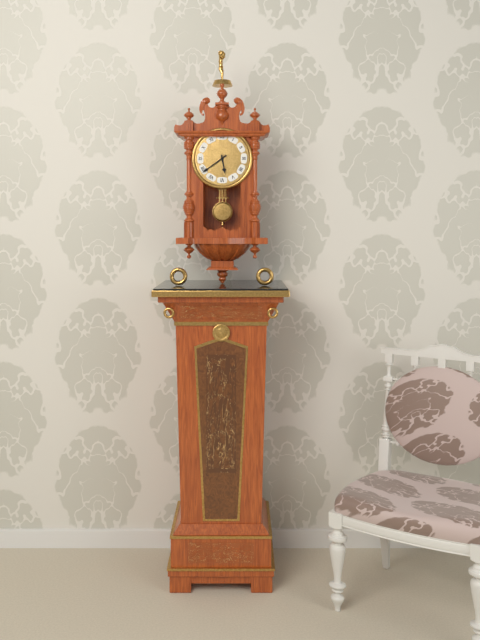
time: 5:39
